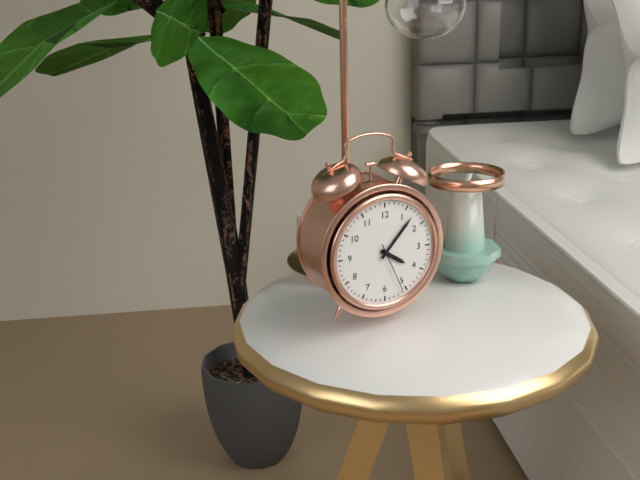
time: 4:07:26
